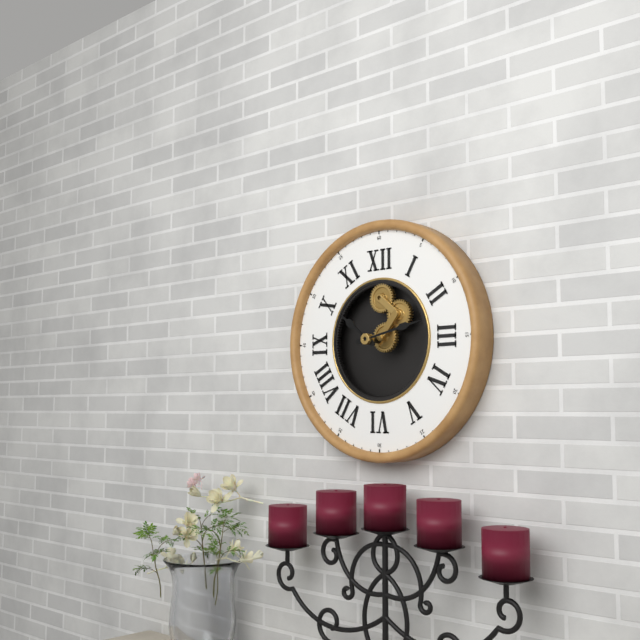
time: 10:13
